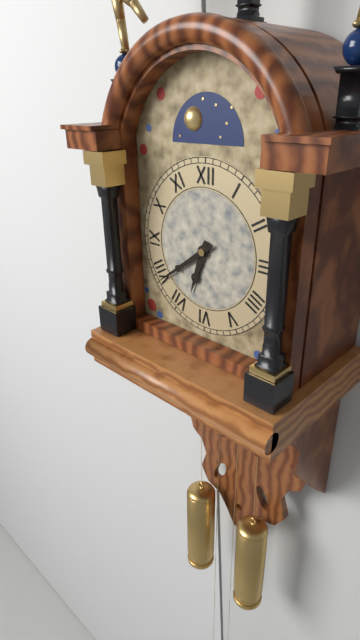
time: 6:39
